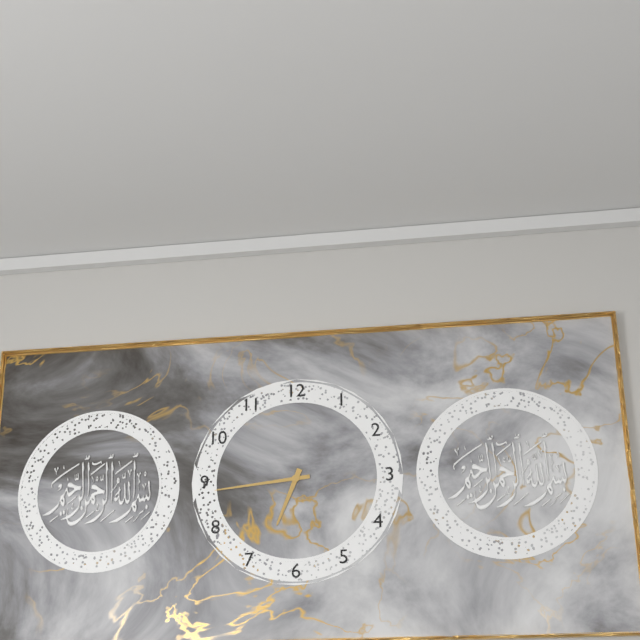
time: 6:44
